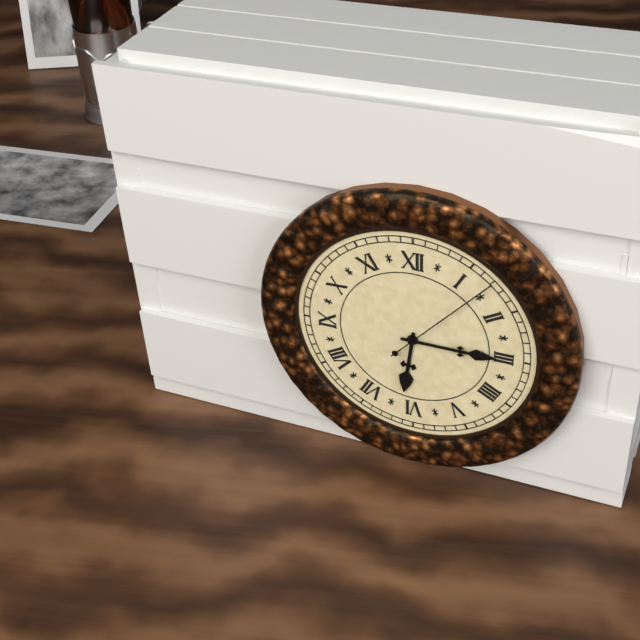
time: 6:15:07
